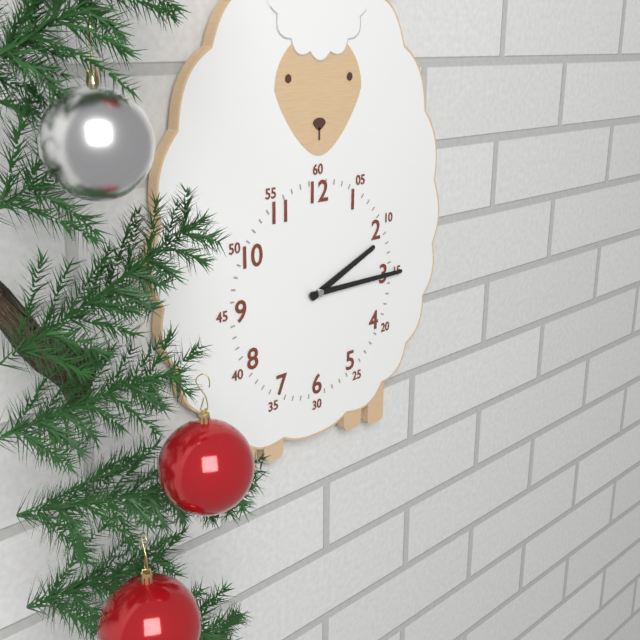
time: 2:15
